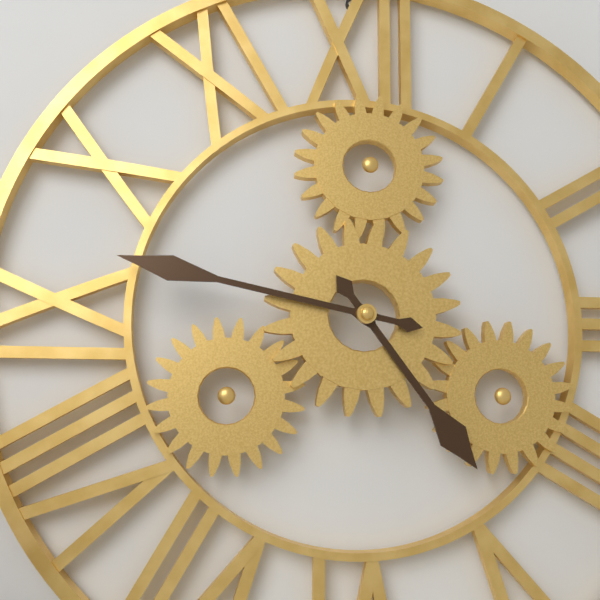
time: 4:47
